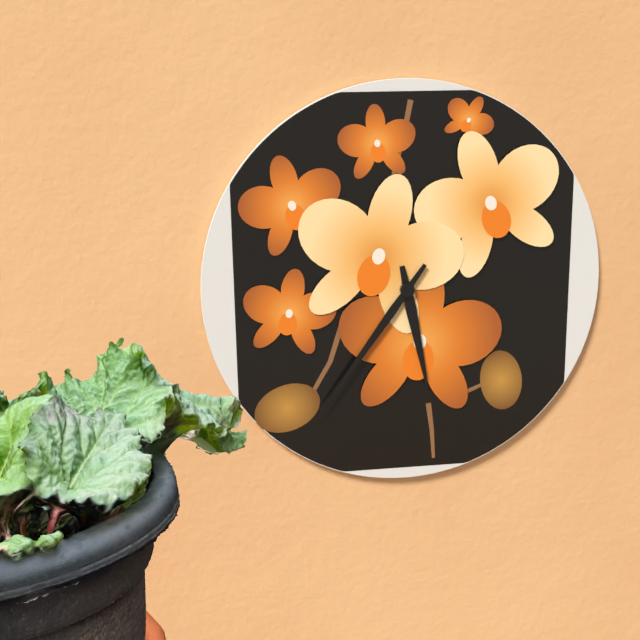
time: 5:36
